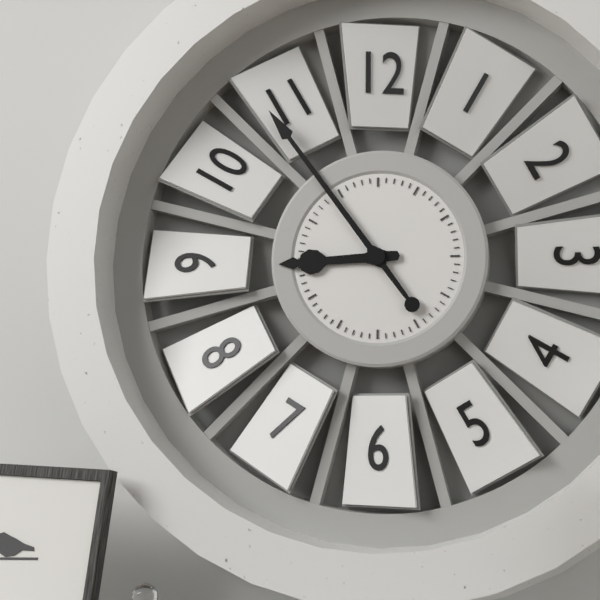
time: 8:54
